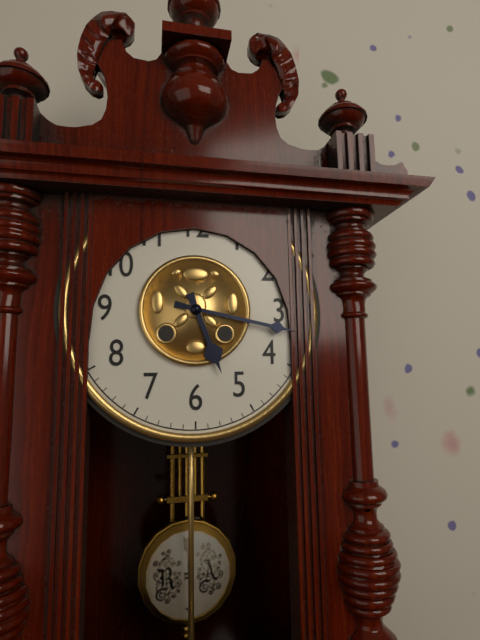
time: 5:17
